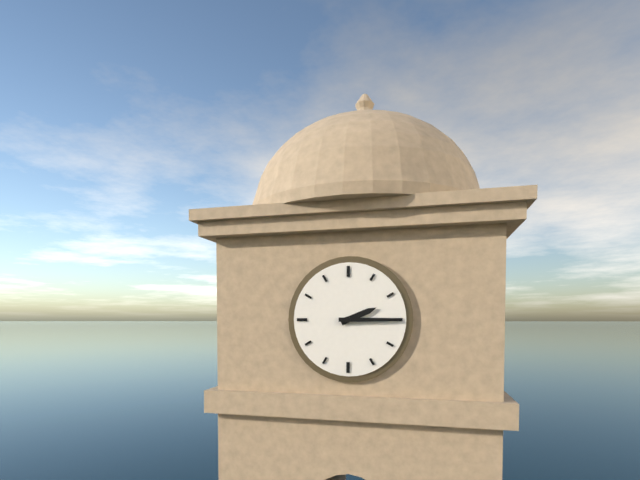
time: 2:15
